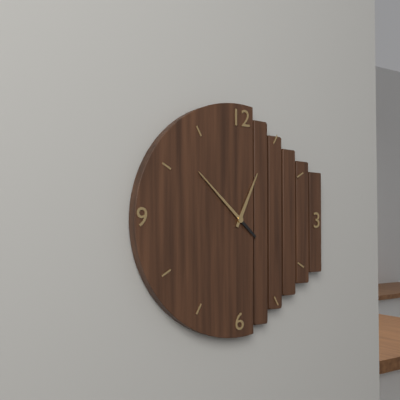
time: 12:52
